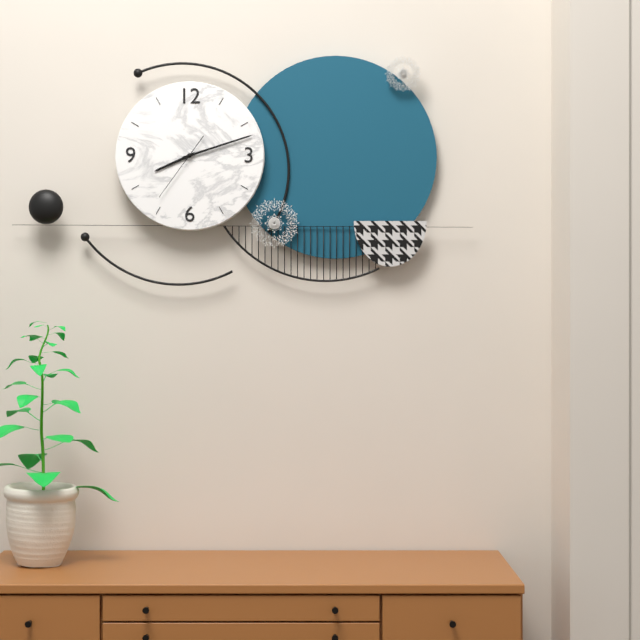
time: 8:12:36
